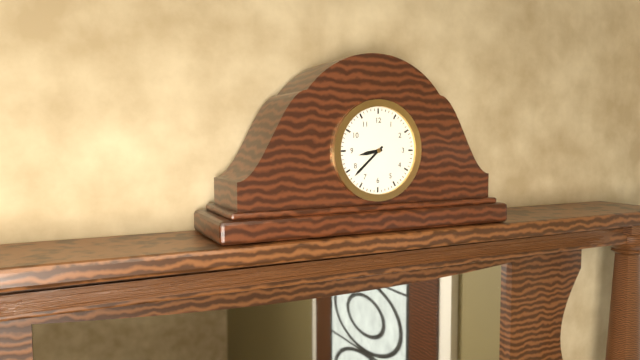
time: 8:38
